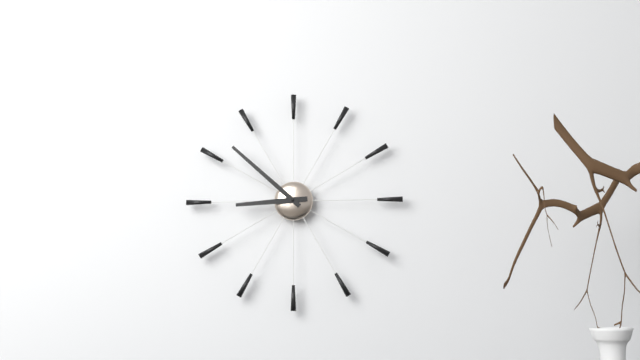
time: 8:52
